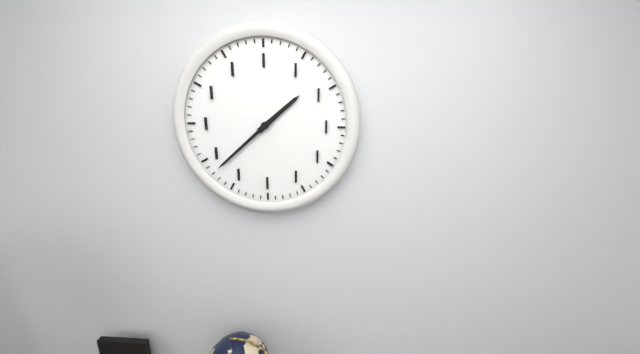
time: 1:38
